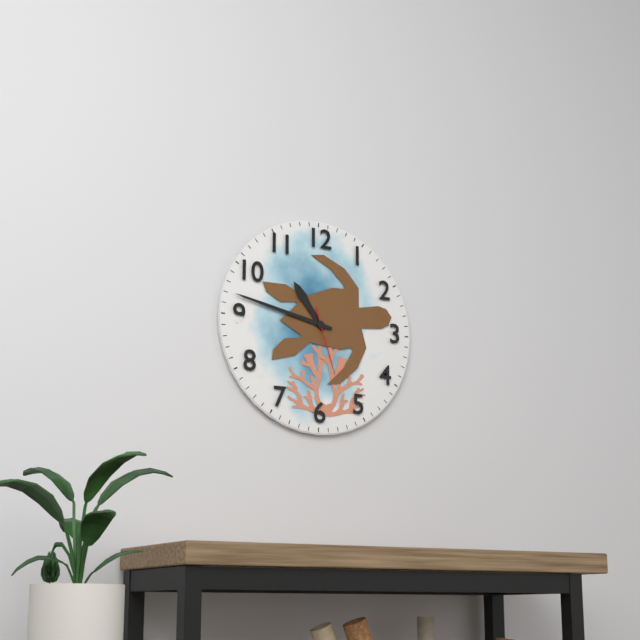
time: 10:47:27
